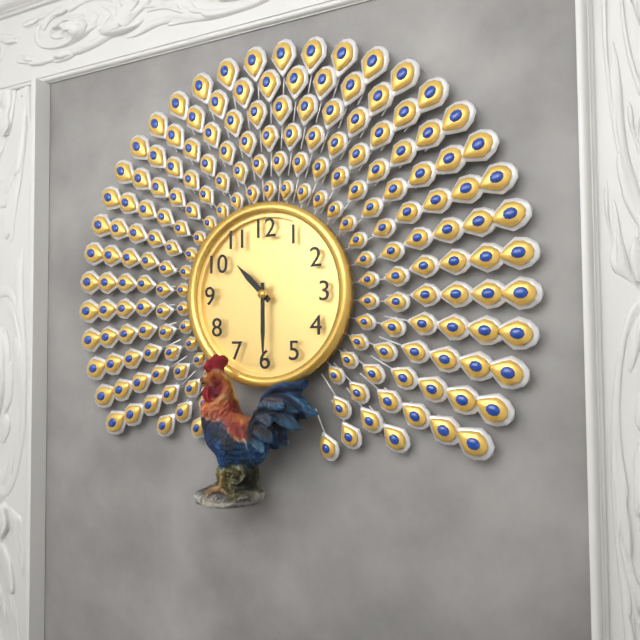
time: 10:30
